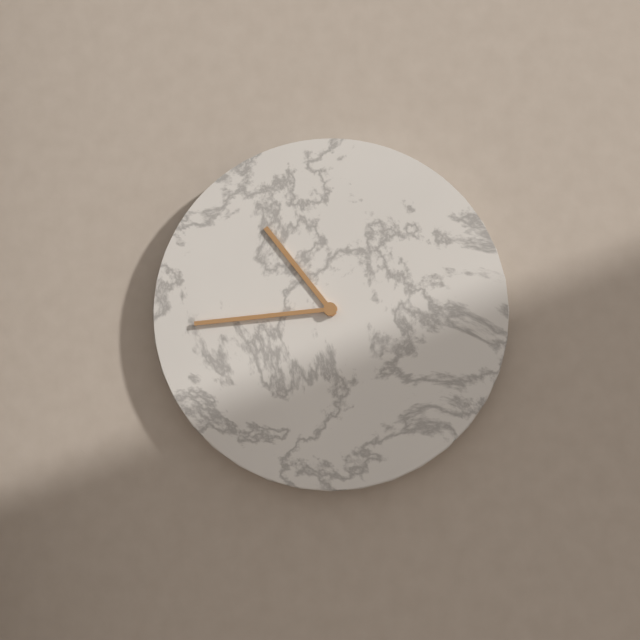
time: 10:44
